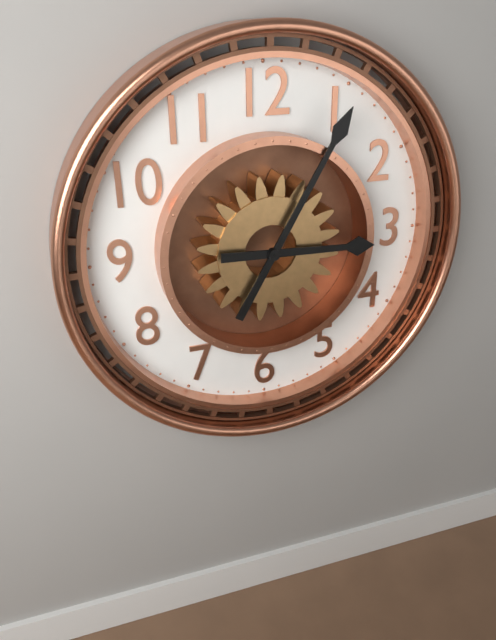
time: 3:05
